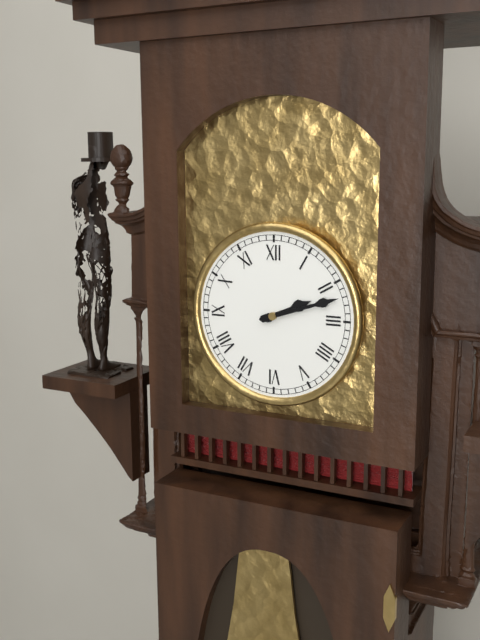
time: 2:12
